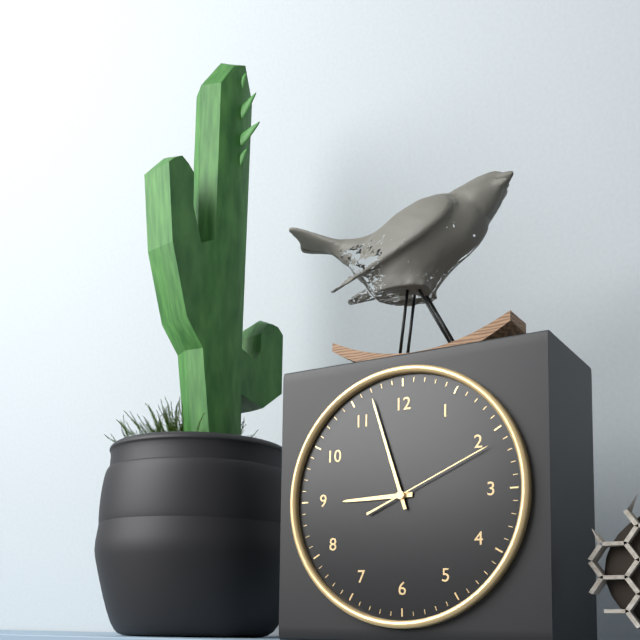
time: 8:57:11
